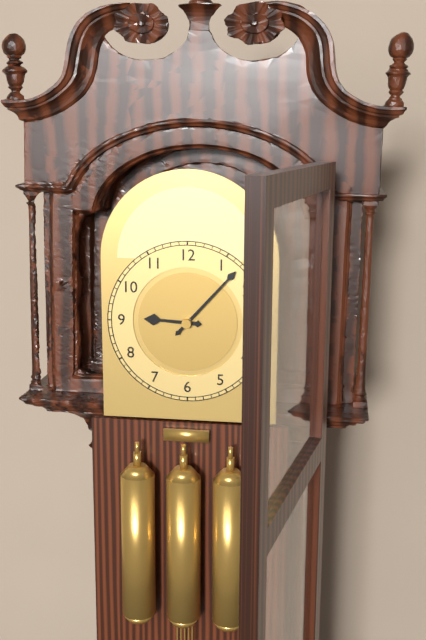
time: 9:07
